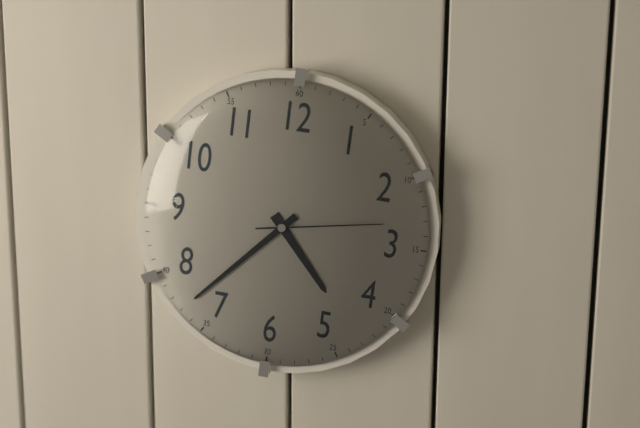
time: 4:37:13
